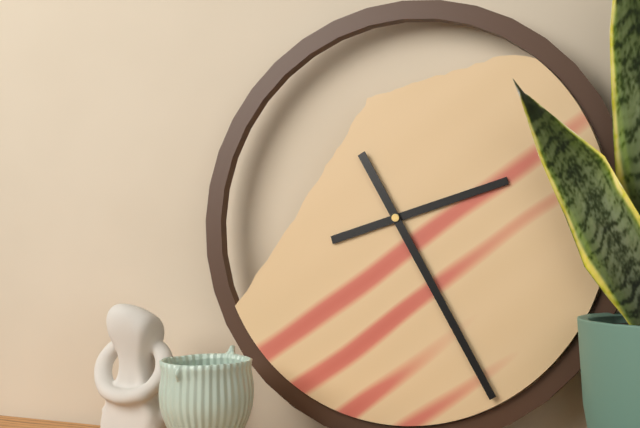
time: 2:25
